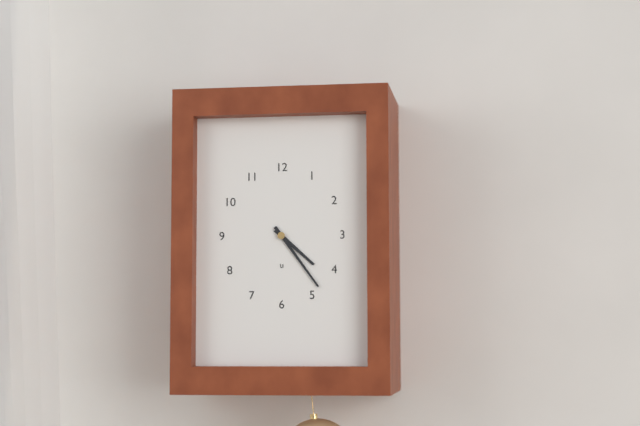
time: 4:24
